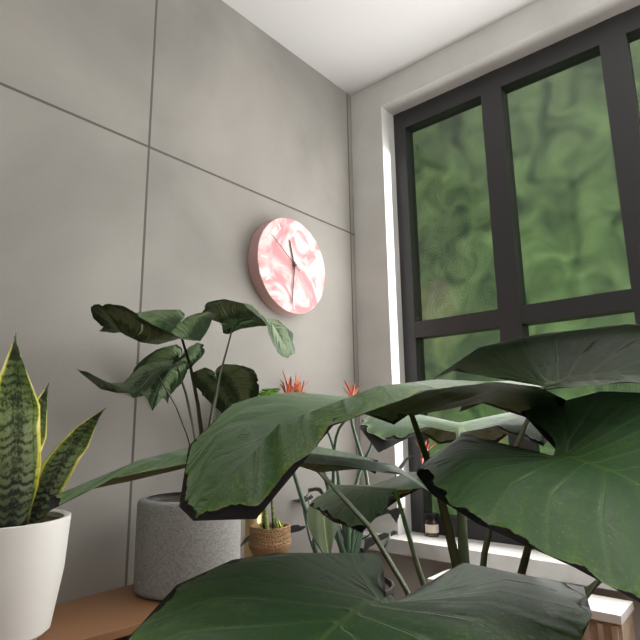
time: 11:31
